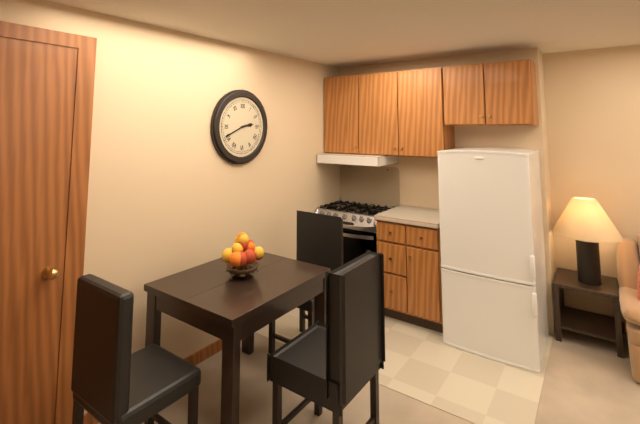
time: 2:41
